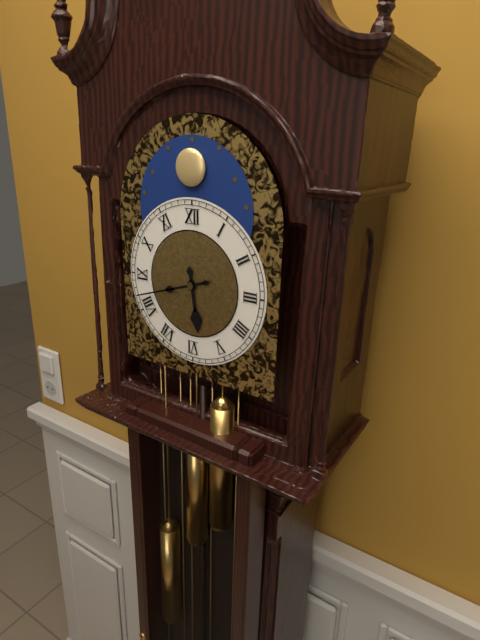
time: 5:42
